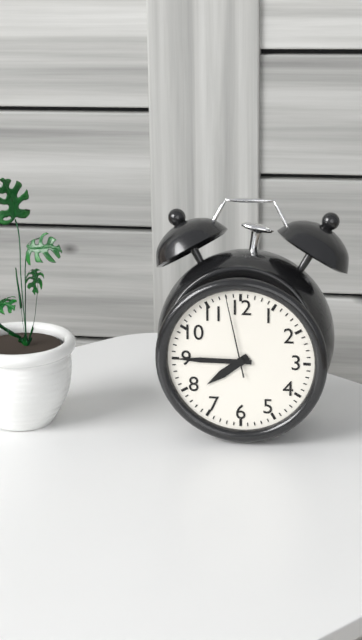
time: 7:45:58
